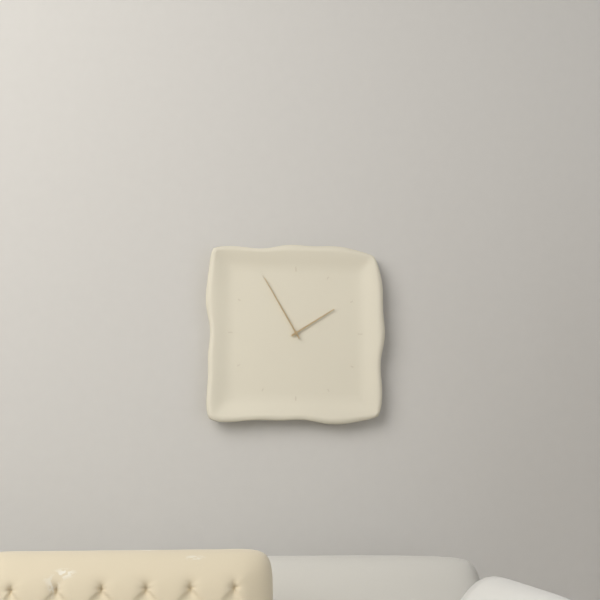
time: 1:55
